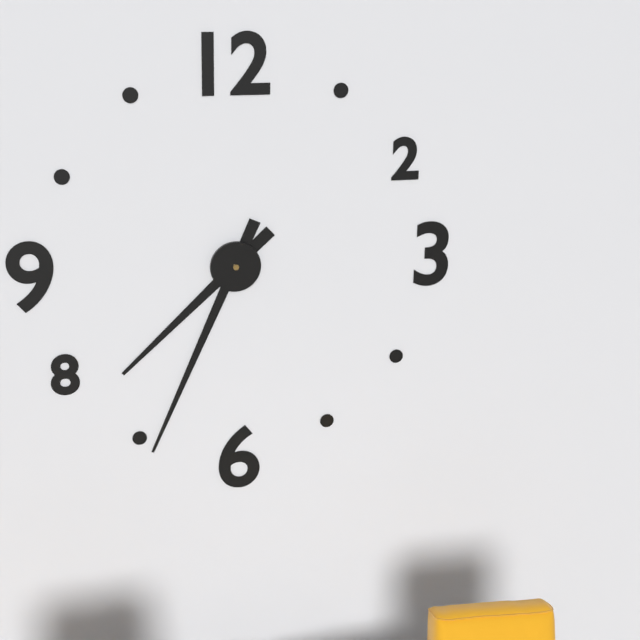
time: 7:34
